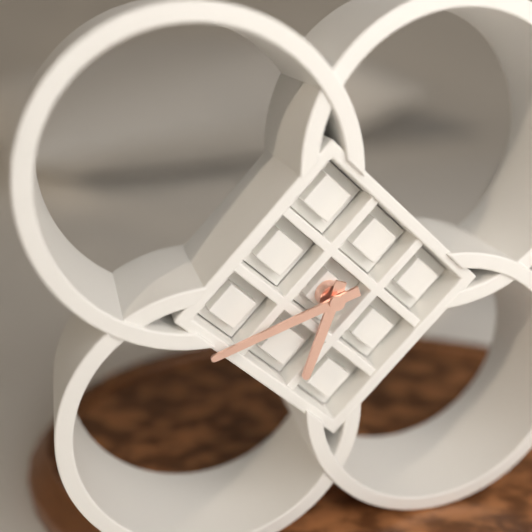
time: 6:42
